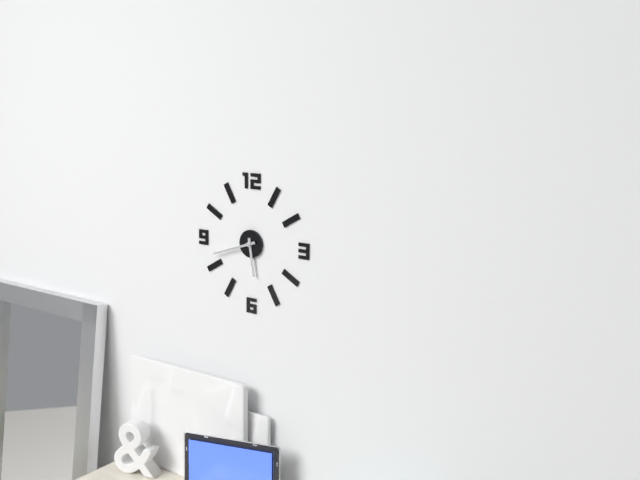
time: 5:42
